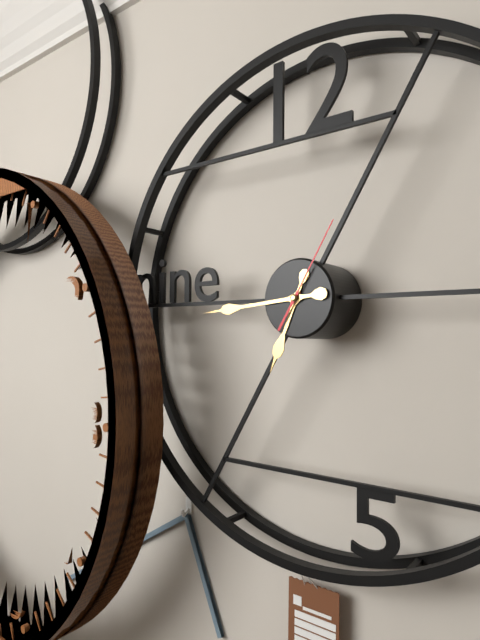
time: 6:44:05
